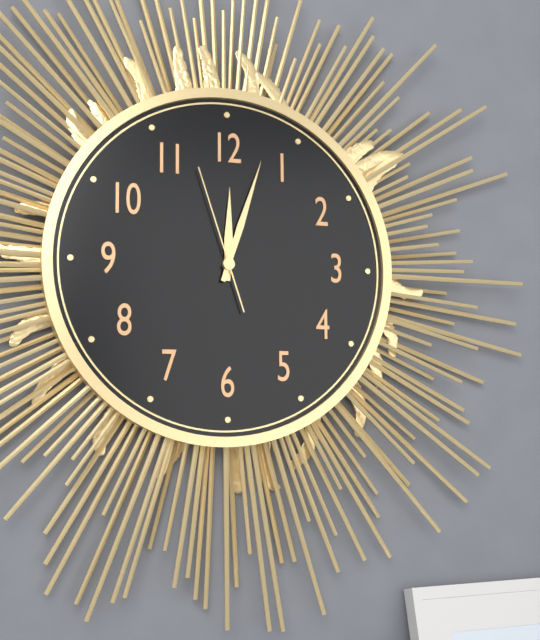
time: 12:03:57
